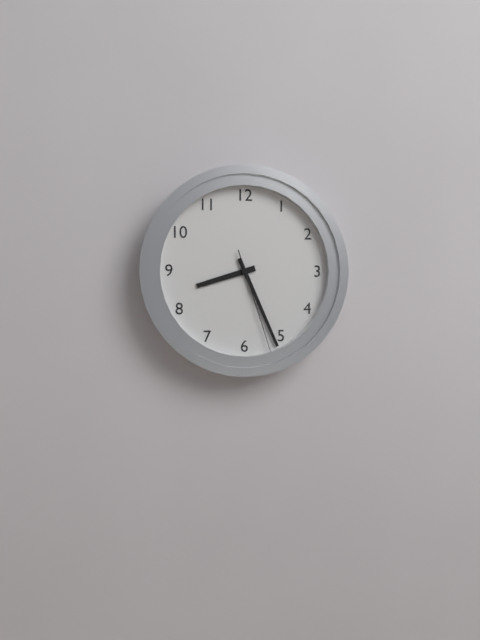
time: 8:26:27
